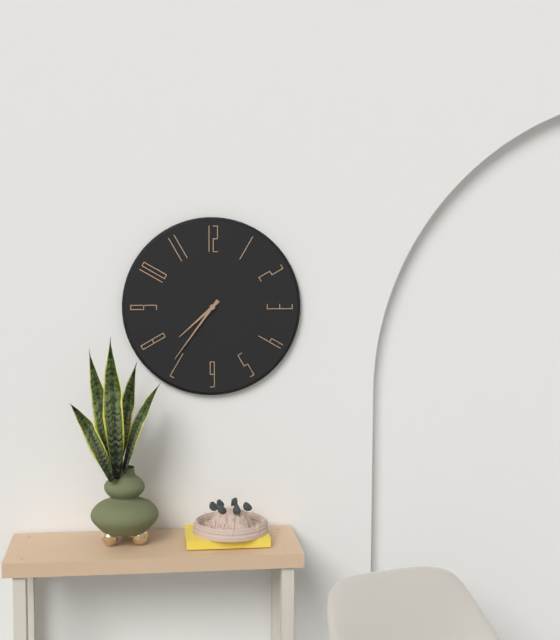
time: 7:36
